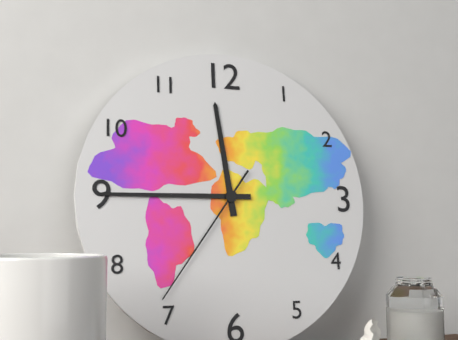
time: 11:45:36
